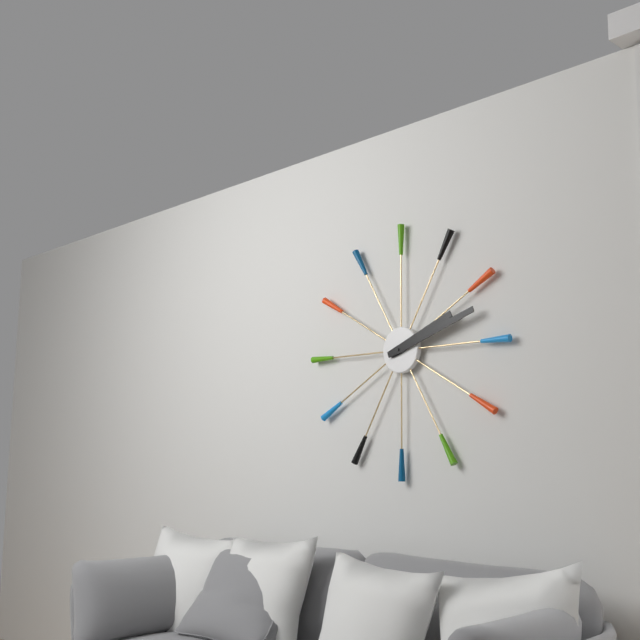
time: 2:12
